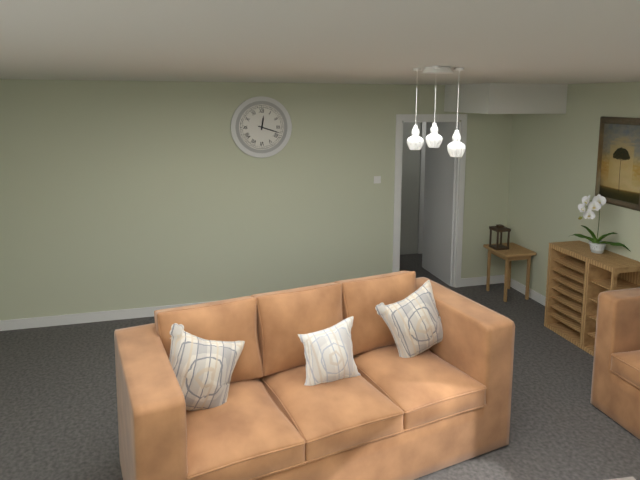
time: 12:18
